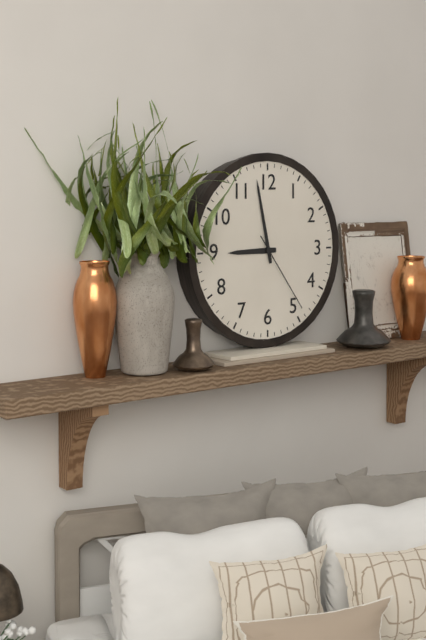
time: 8:58:24
